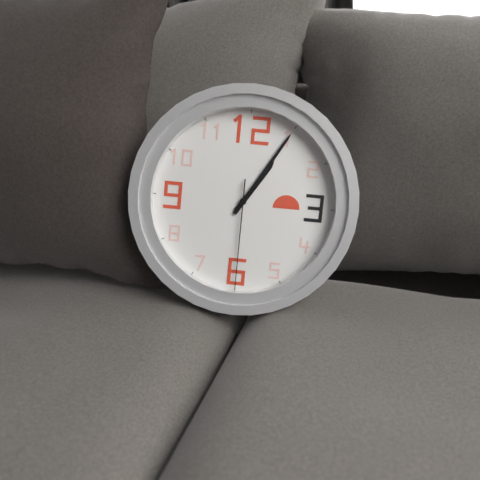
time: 1:05:30
